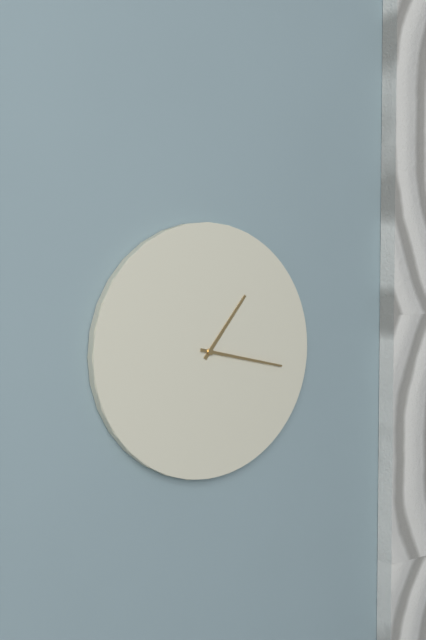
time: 1:17
